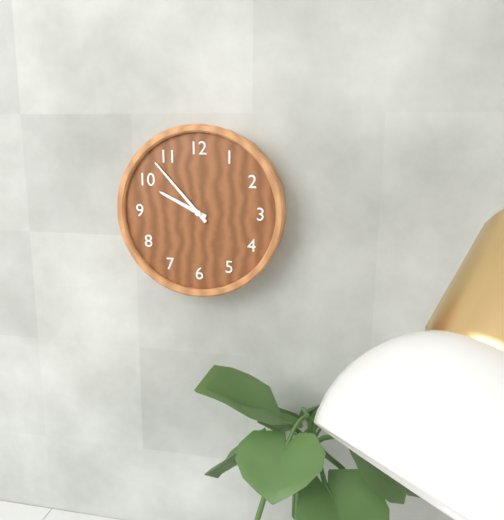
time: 9:53
